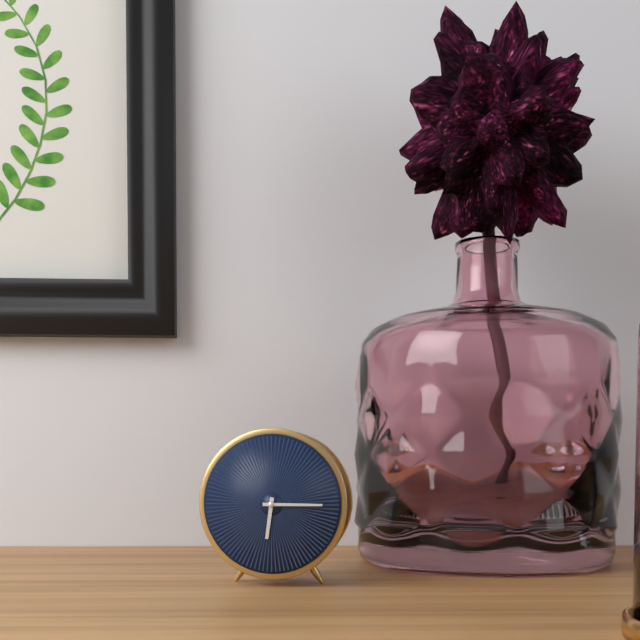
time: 6:15
